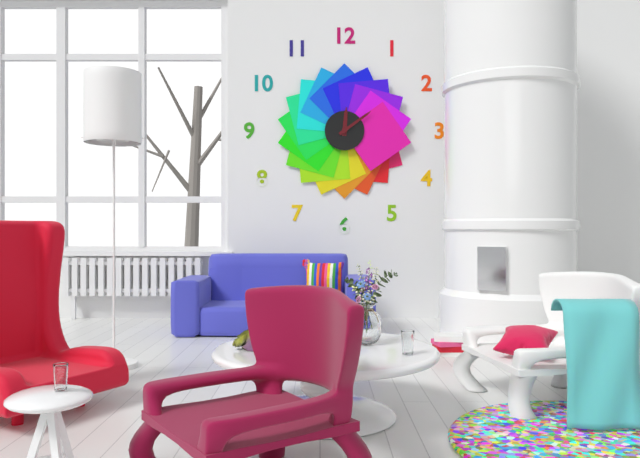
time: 12:09
